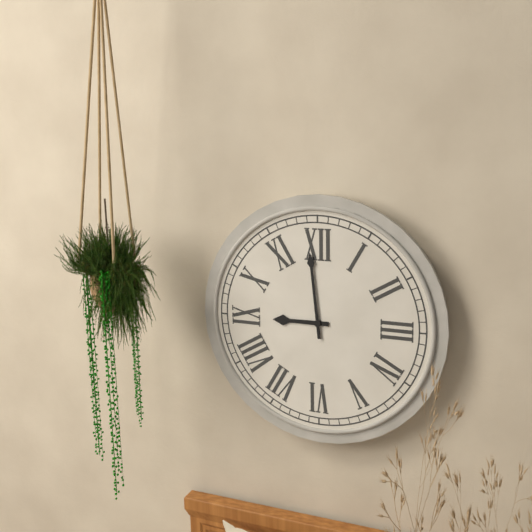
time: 8:59
